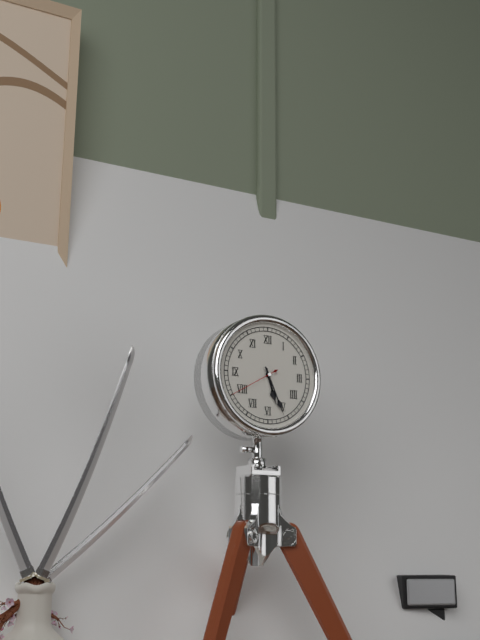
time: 5:26:40
